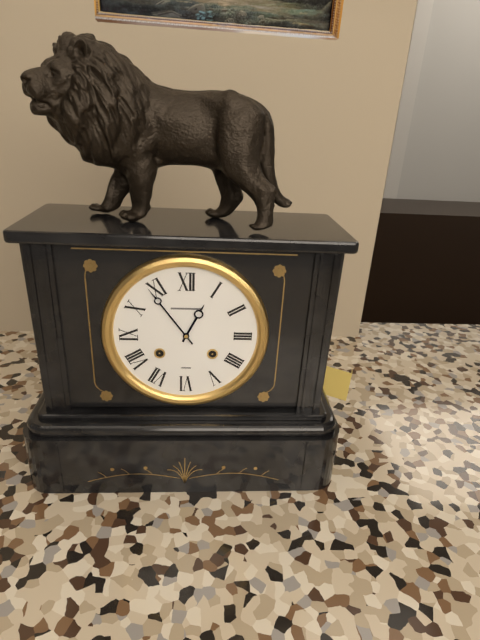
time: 12:54
